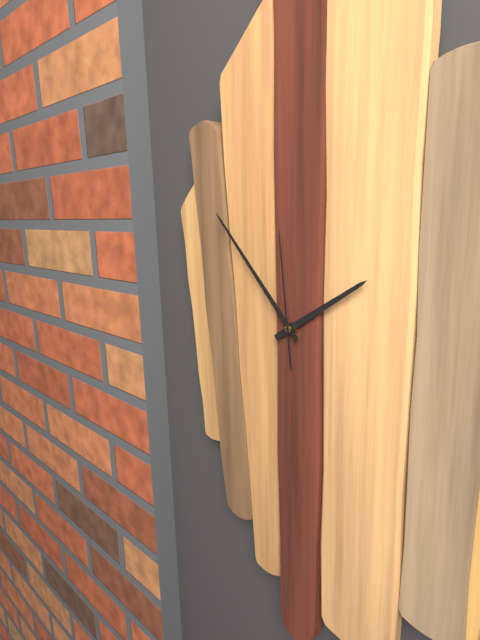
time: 1:53:59
